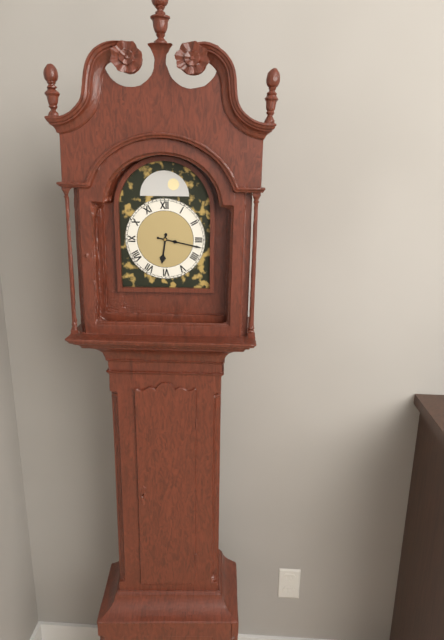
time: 6:17
